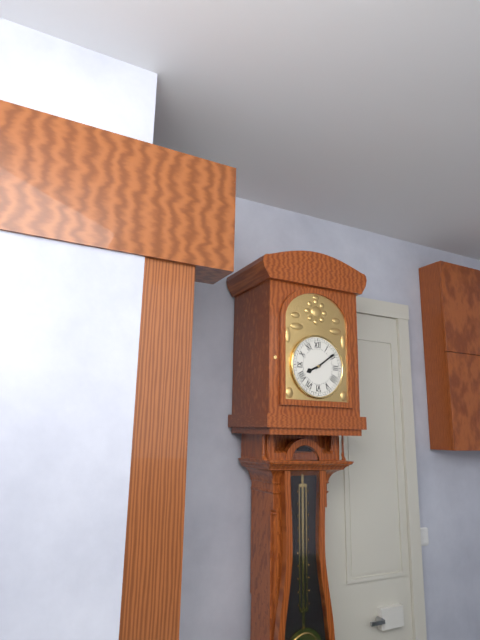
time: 8:09
